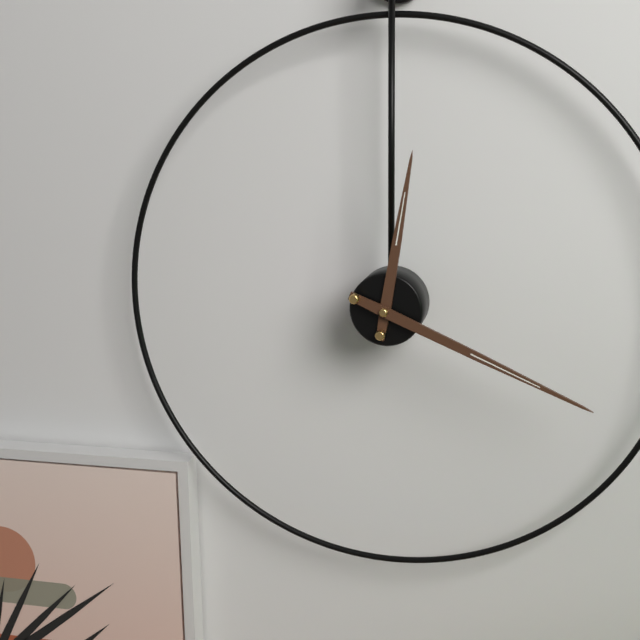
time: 12:19
